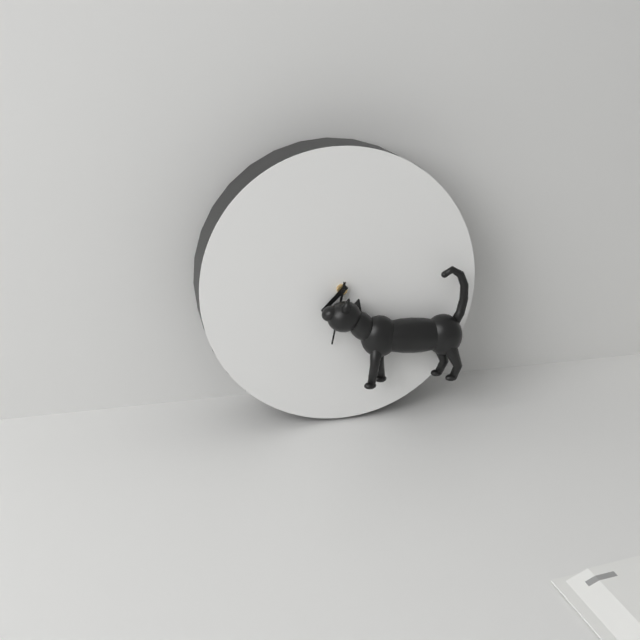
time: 7:32
